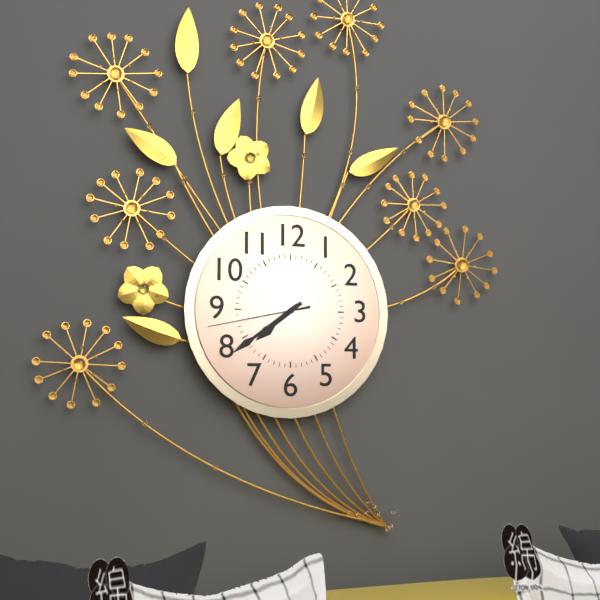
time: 7:39:43
